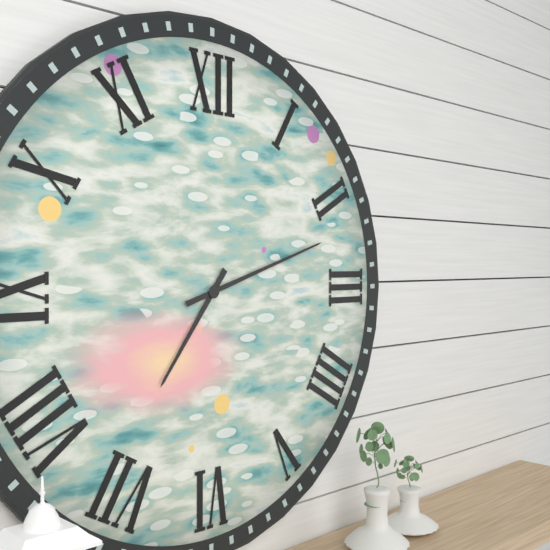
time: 7:12
